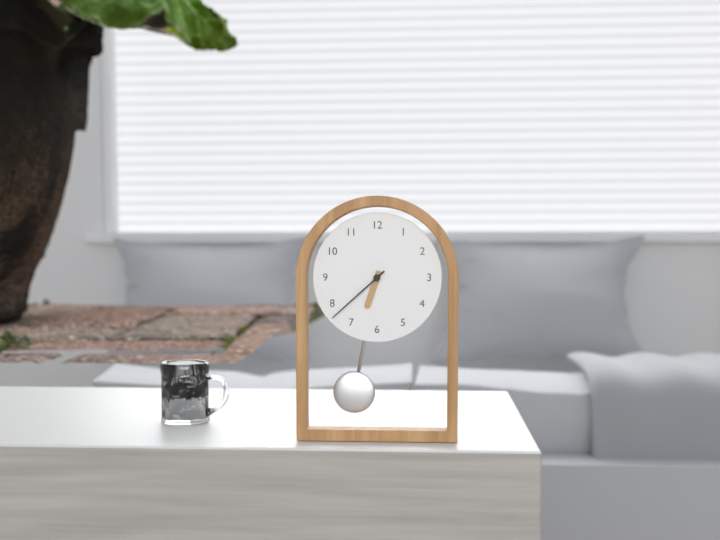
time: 6:38
